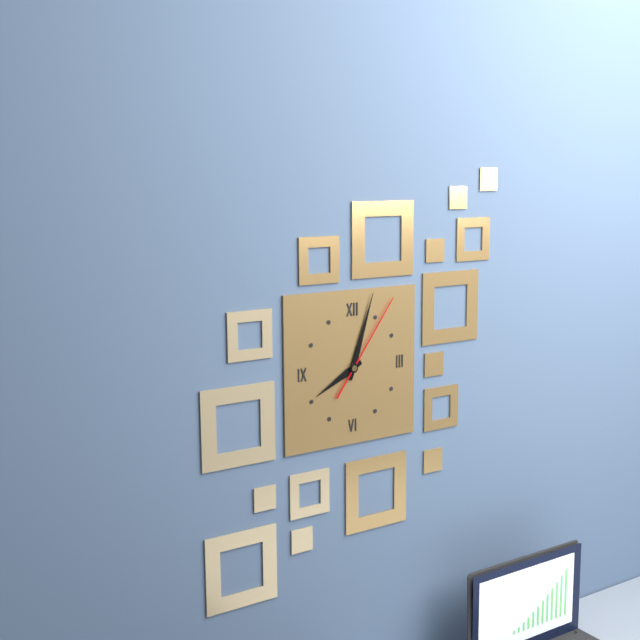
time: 8:03:06
